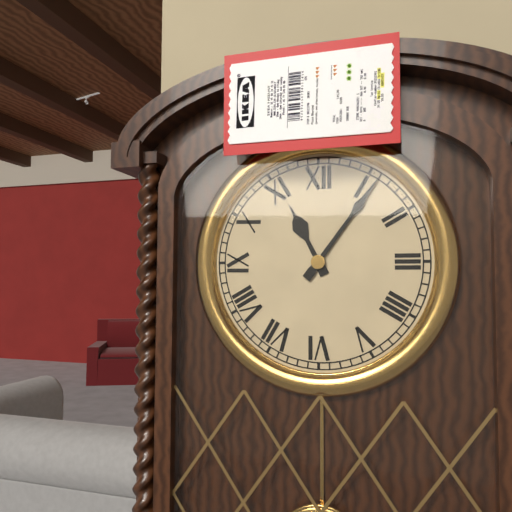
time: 11:06
